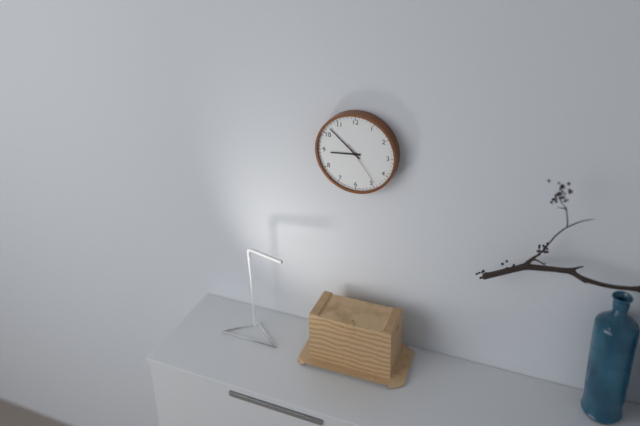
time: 8:52
